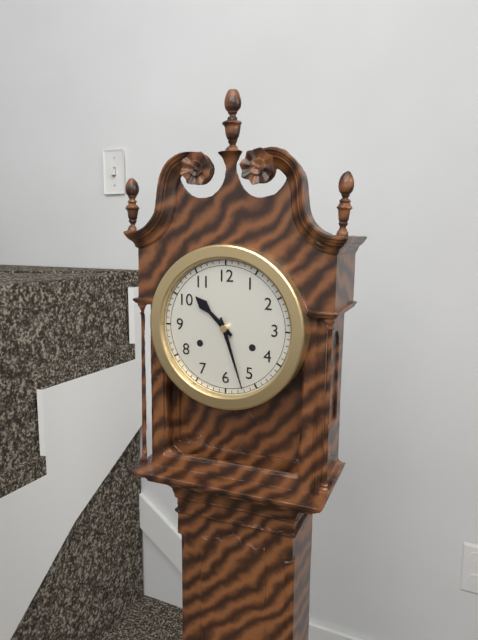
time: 10:27
